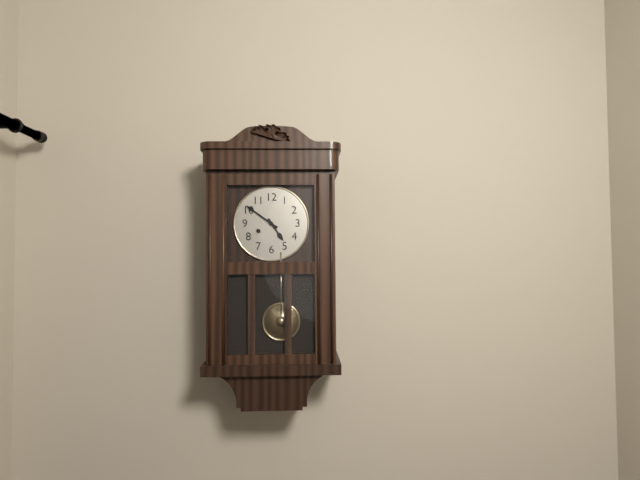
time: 4:51
